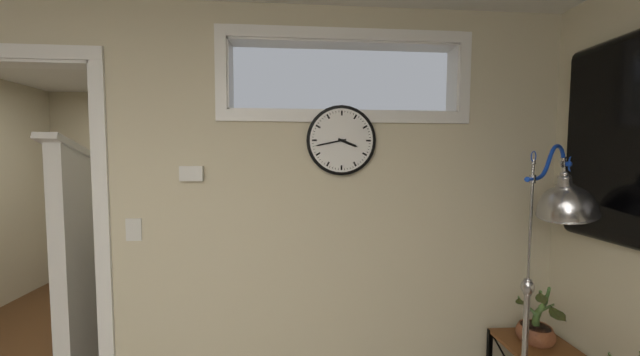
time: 3:43
